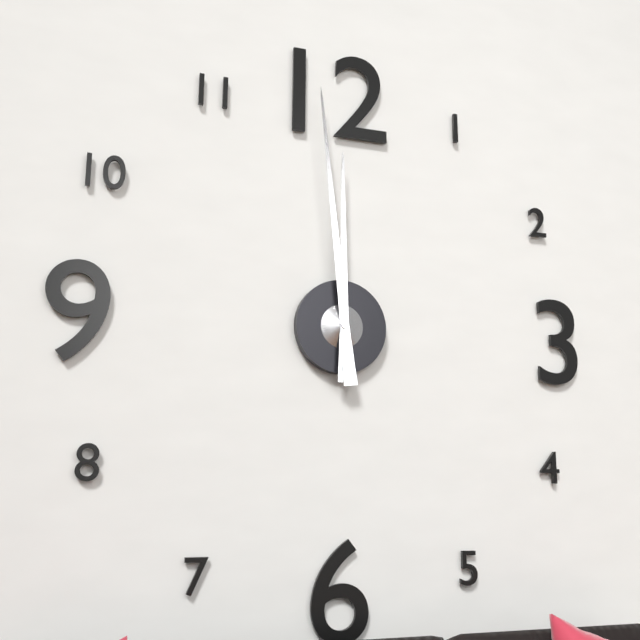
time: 11:59
